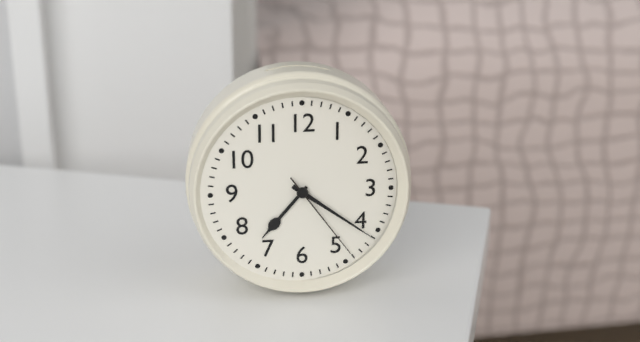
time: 7:21:24
